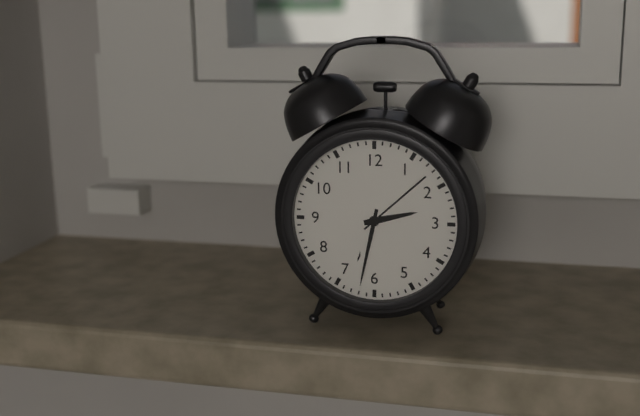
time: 2:32
